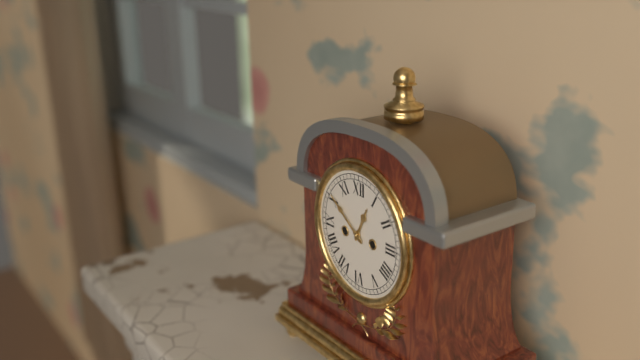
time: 12:51
